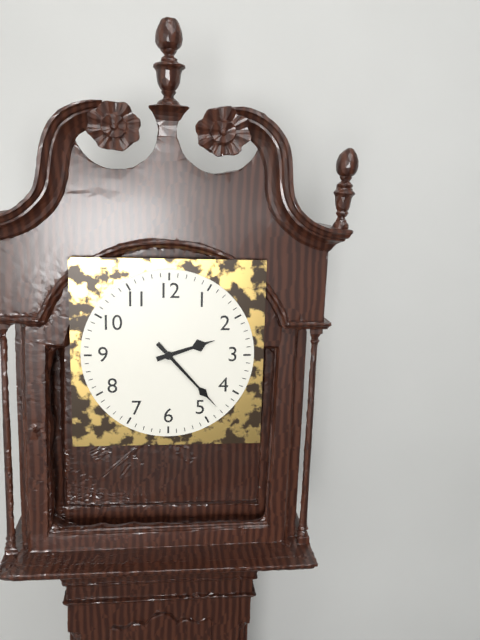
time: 2:23
